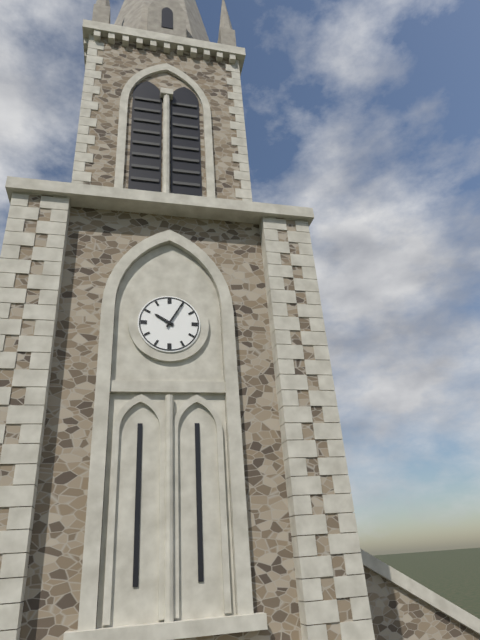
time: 10:05
